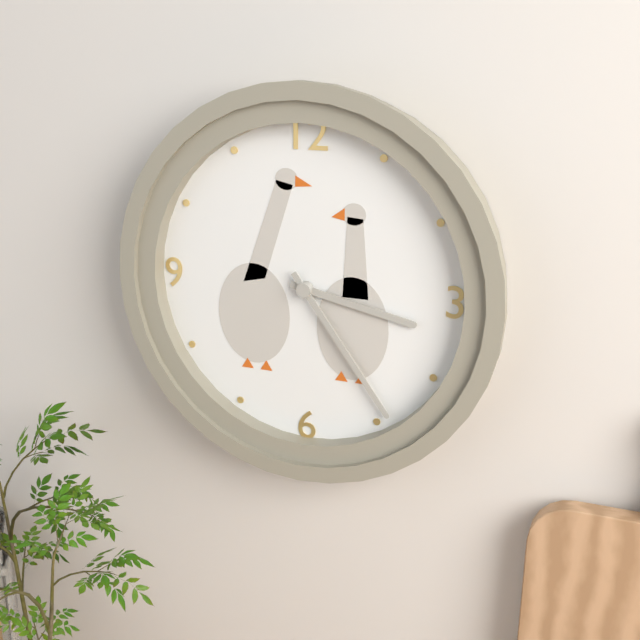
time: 3:24
